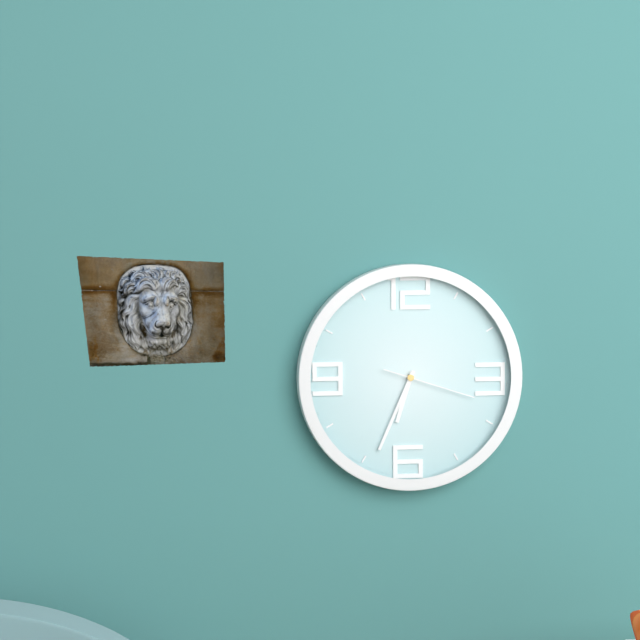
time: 6:34:18
